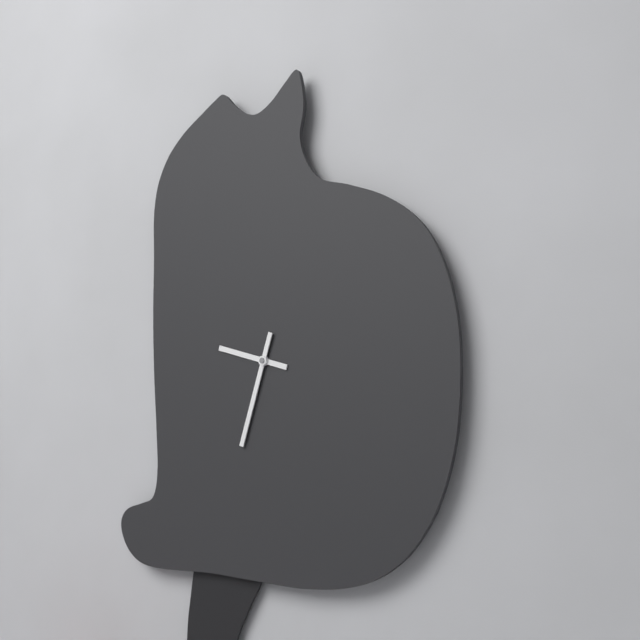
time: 9:33
